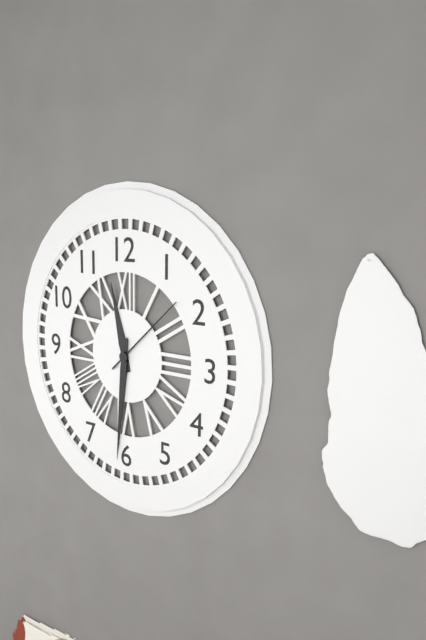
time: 11:31:08
